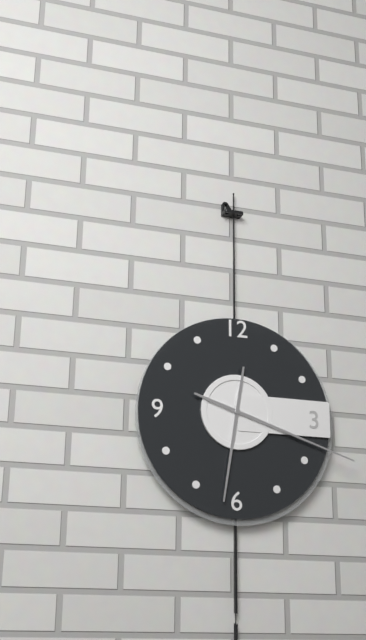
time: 6:18
